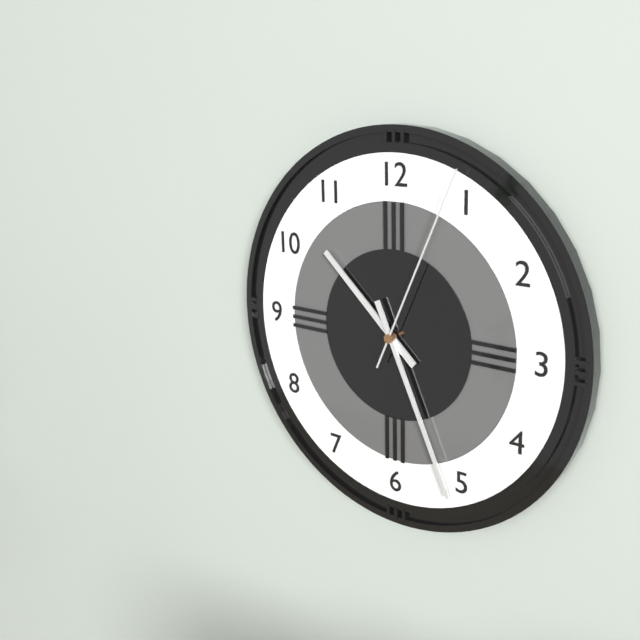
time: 10:26:04
